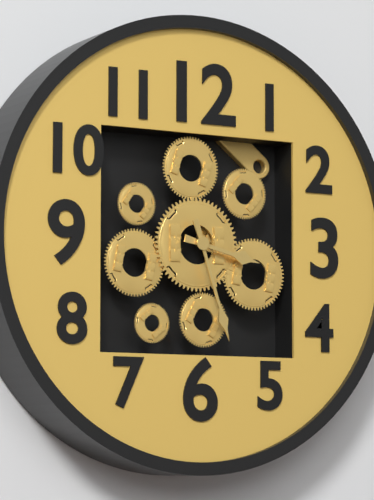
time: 3:27
